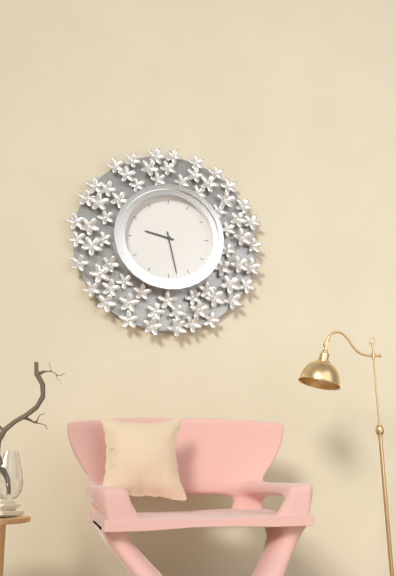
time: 9:28
